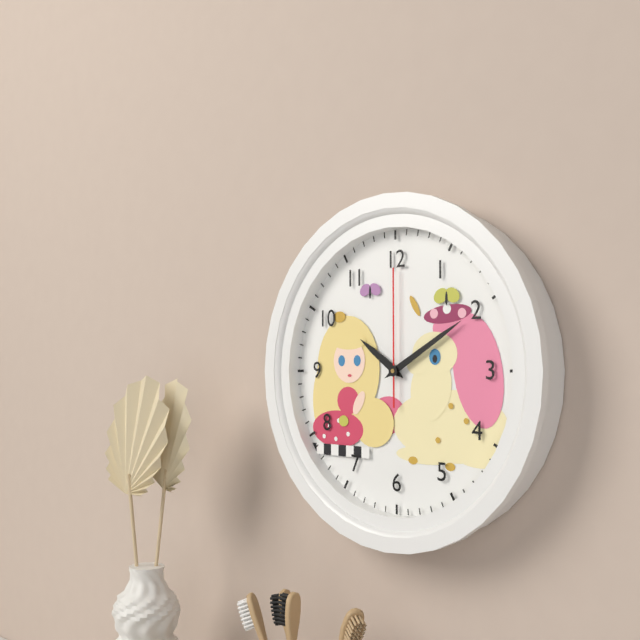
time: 10:10:00
